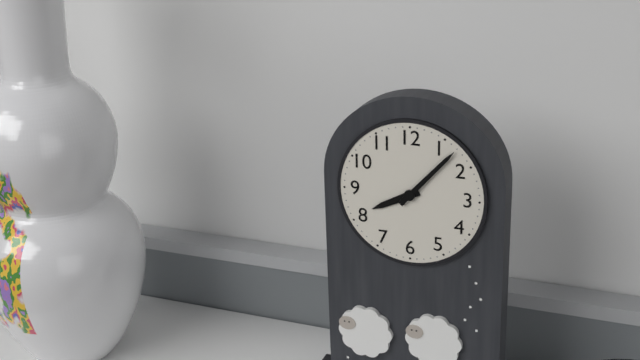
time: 8:07
